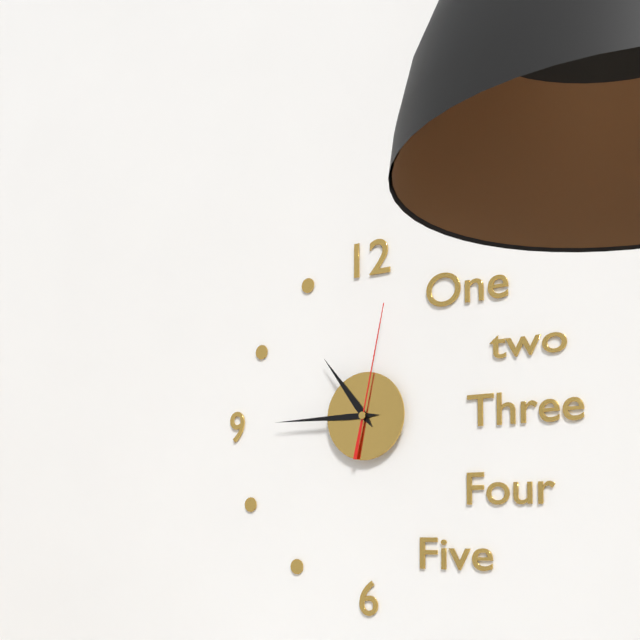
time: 10:45:02
